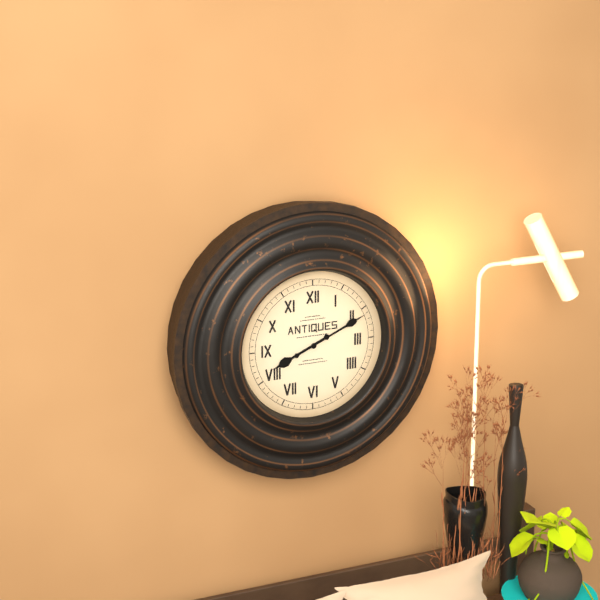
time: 8:11
